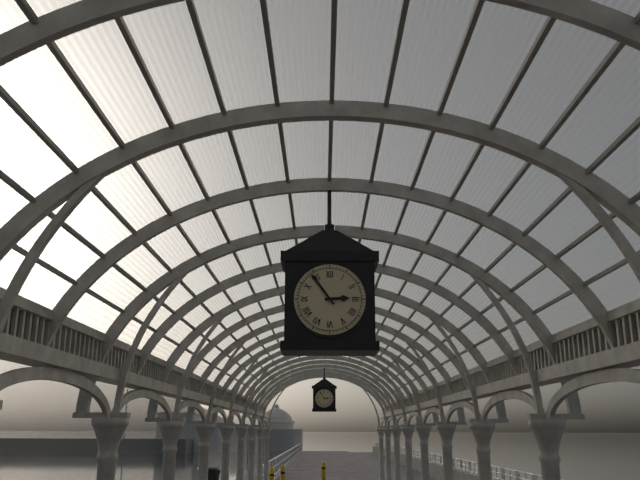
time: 2:54
